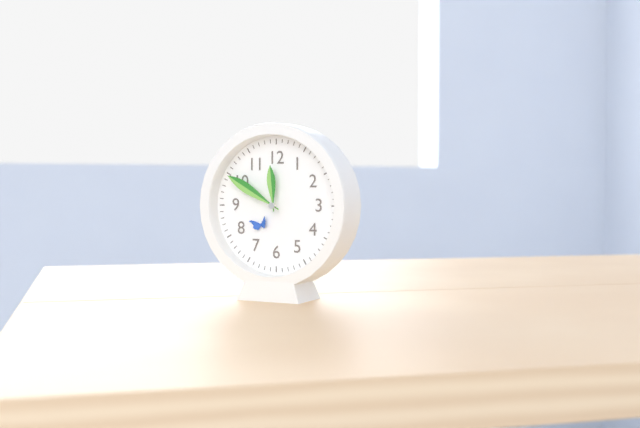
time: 11:50
